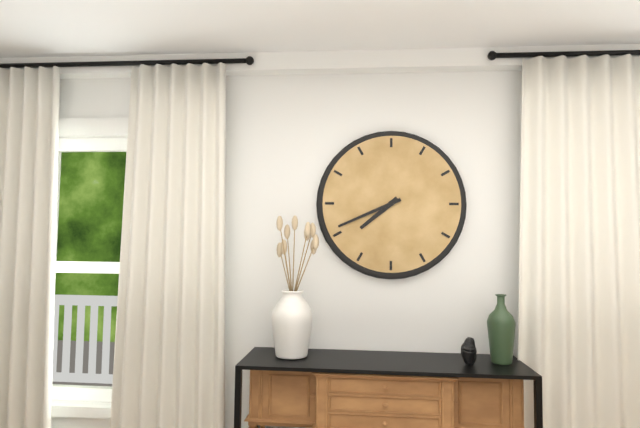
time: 7:41
